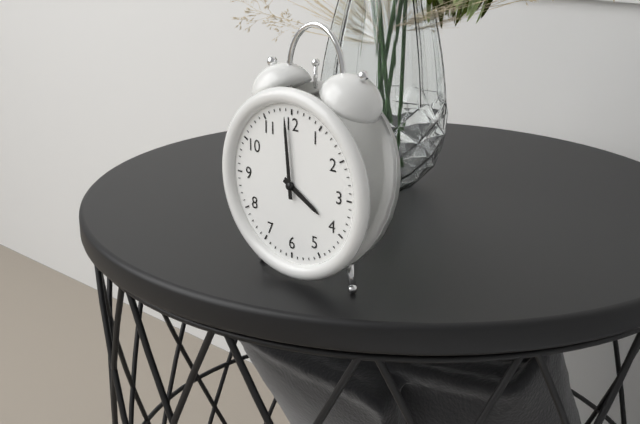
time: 3:59
